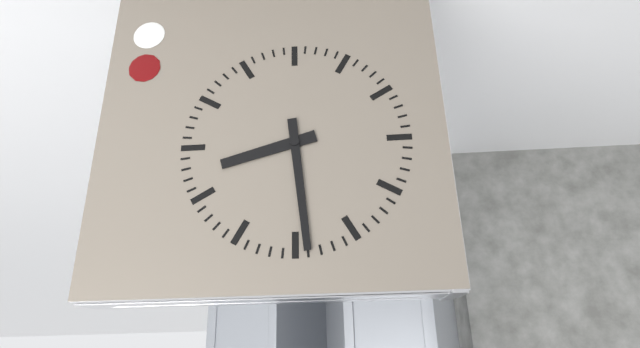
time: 8:29
